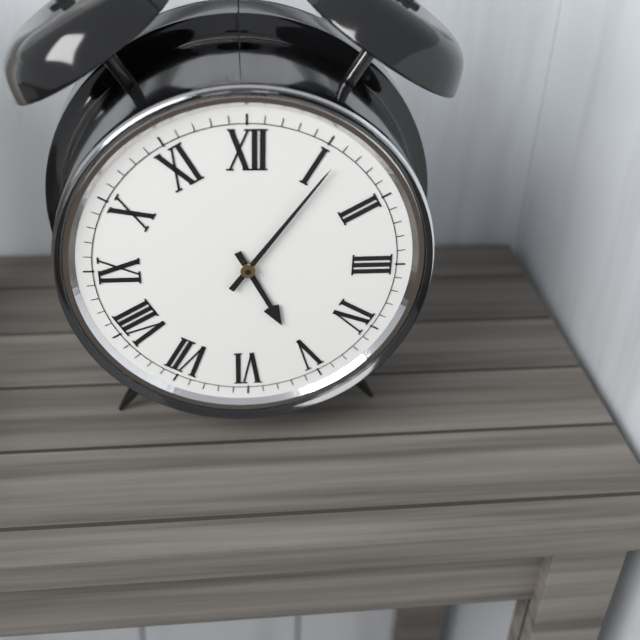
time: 5:06
